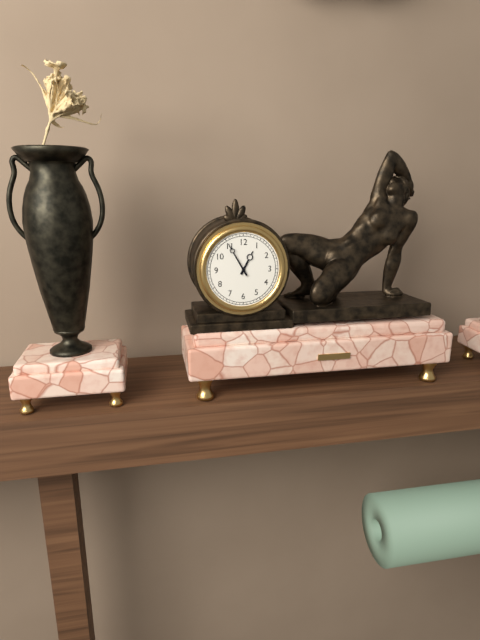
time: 12:55
